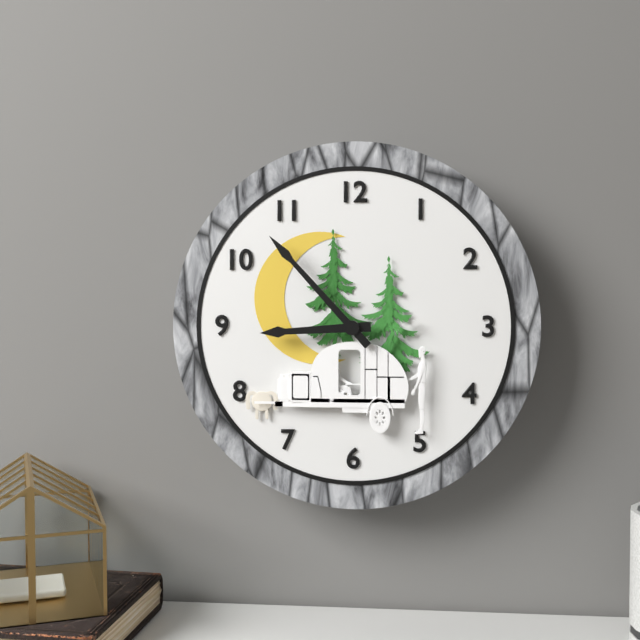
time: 8:53
